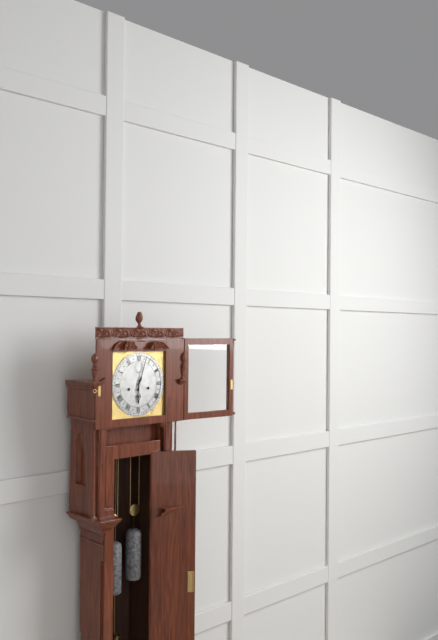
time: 6:03
